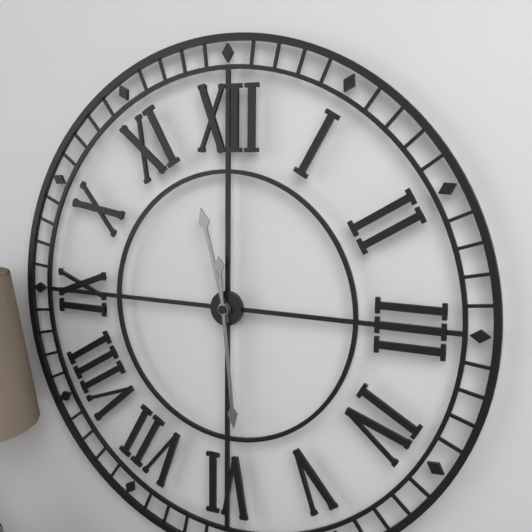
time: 11:29
